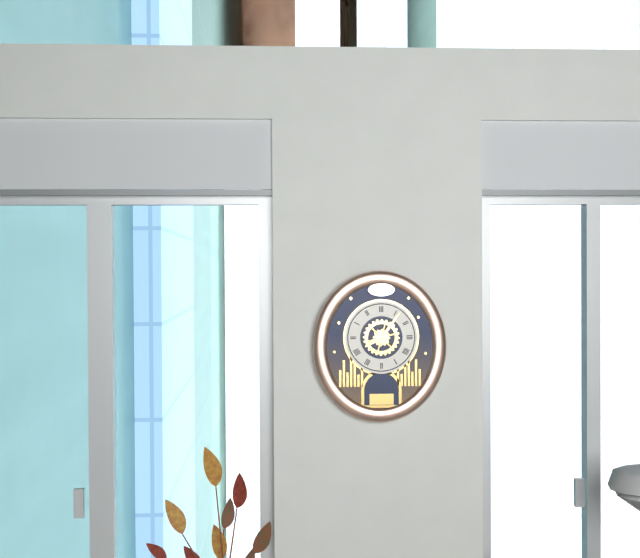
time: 8:06
